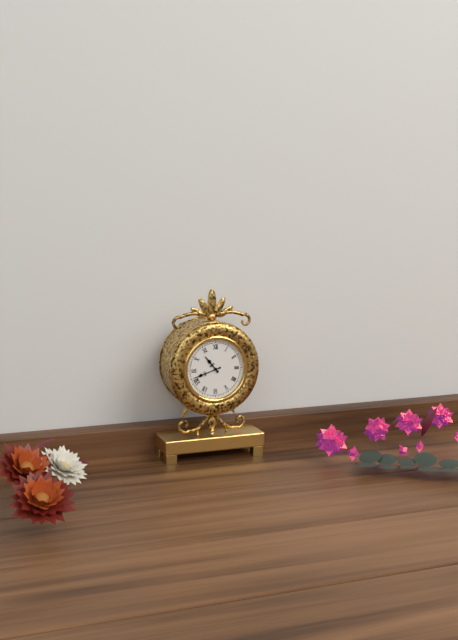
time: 10:42
